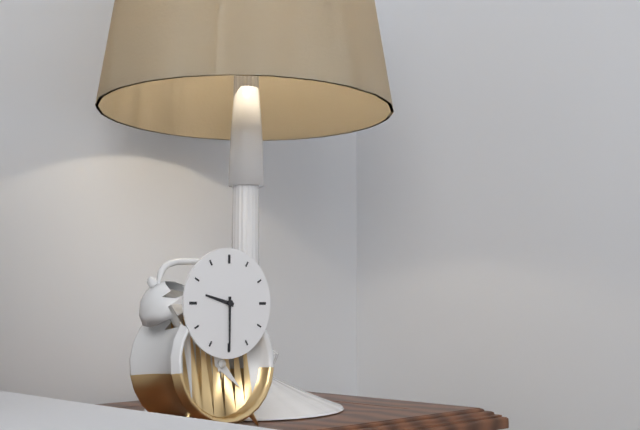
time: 9:30
